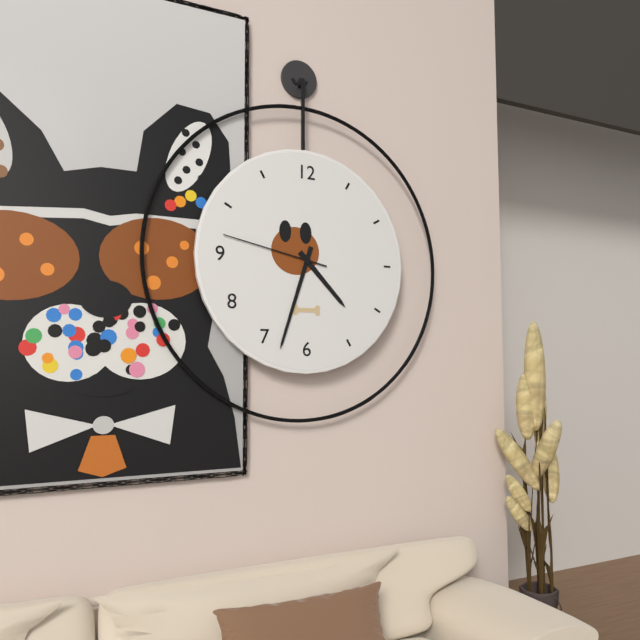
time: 4:33:47
